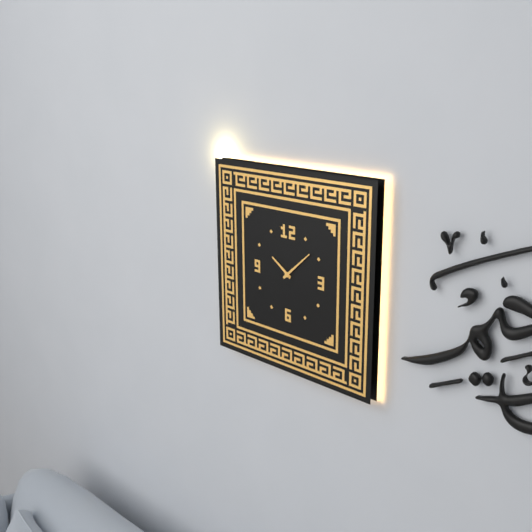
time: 10:08
